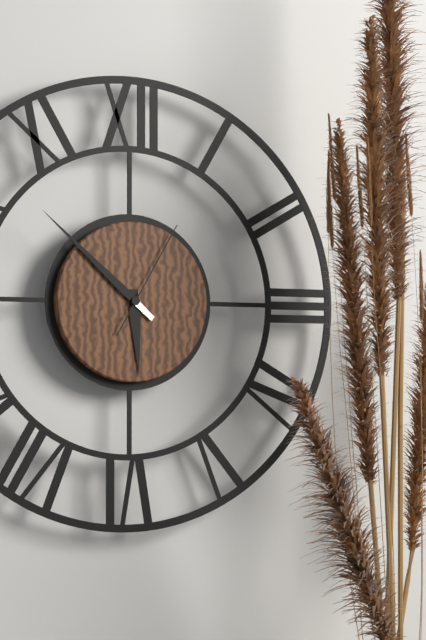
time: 5:52:05
